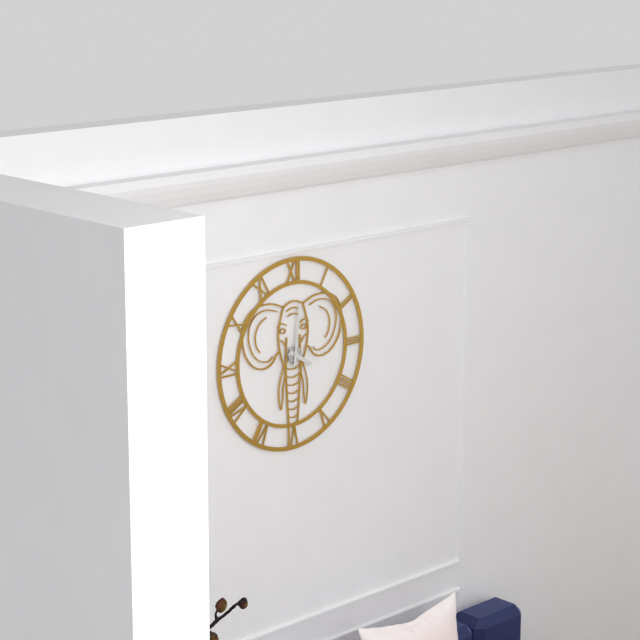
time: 4:01
